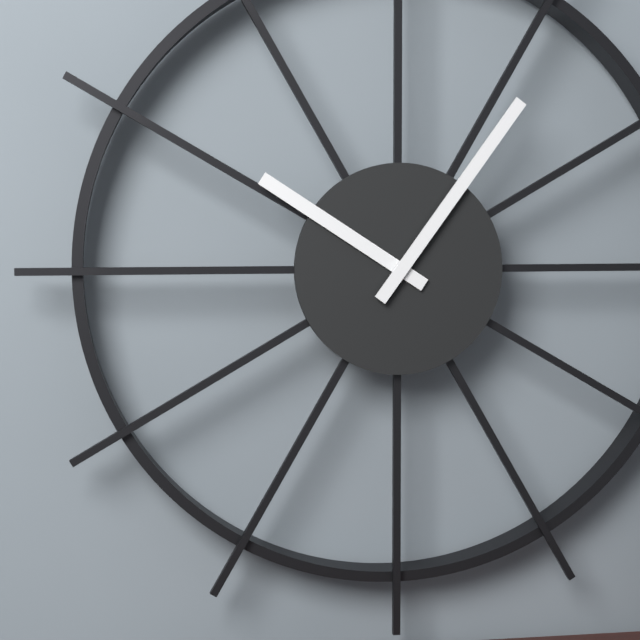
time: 10:06
